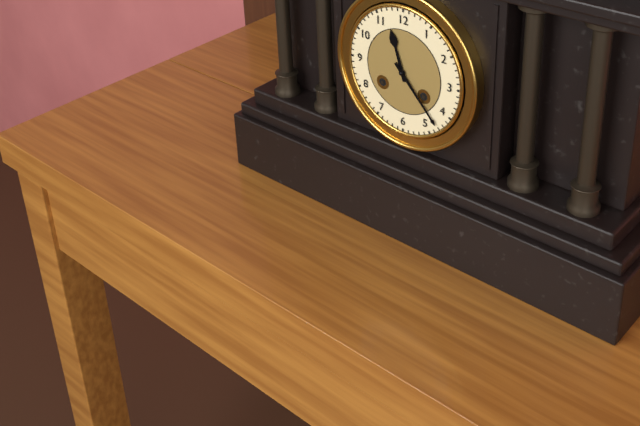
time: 11:23
